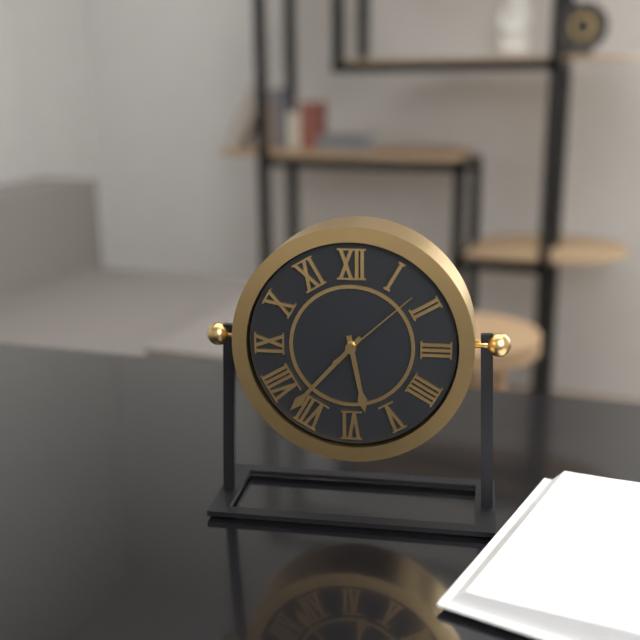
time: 5:37:08
